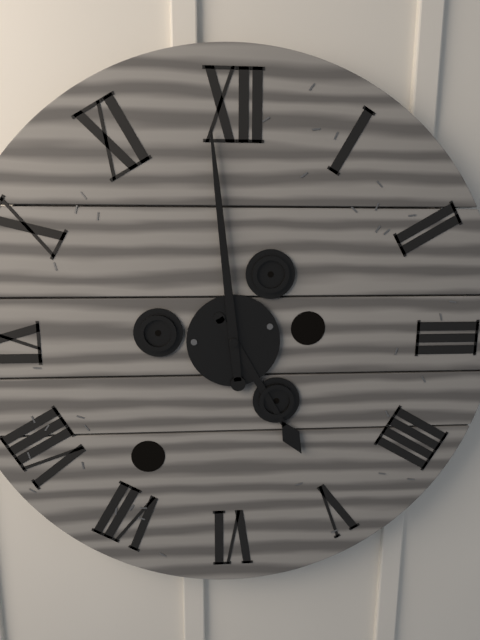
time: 4:59
